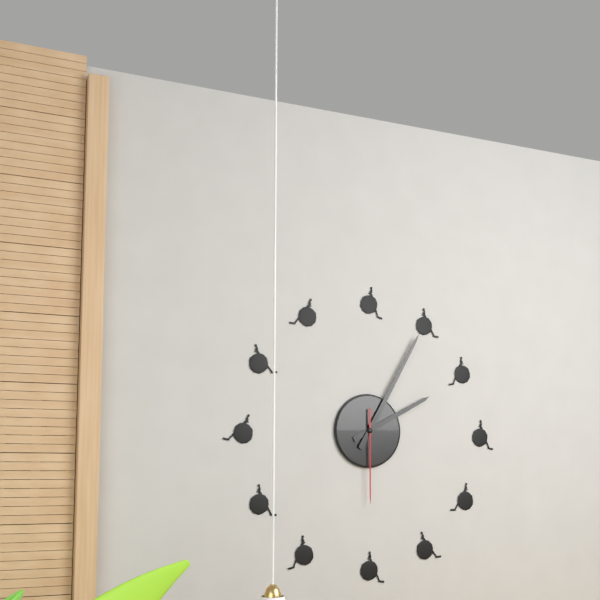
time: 2:05:30
